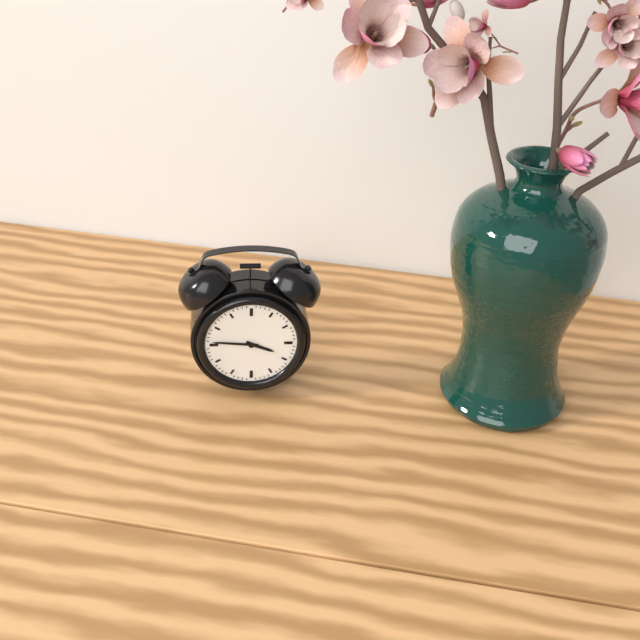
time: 3:46
